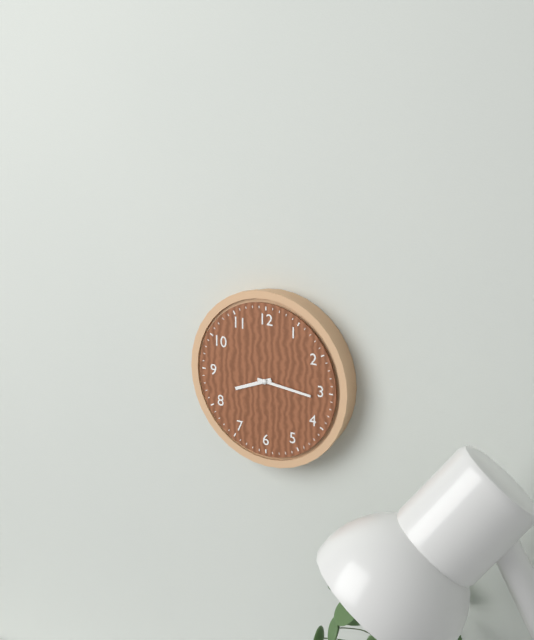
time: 8:16
